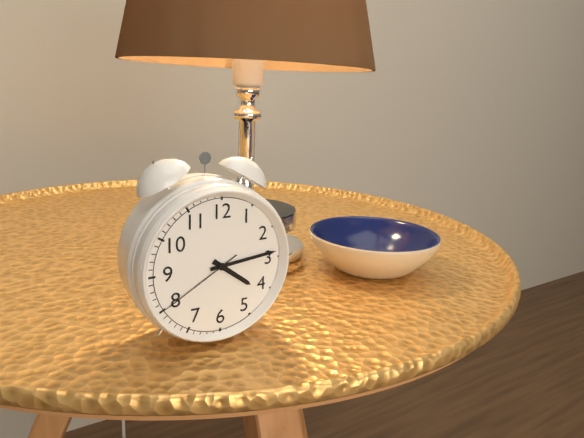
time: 4:14:40
